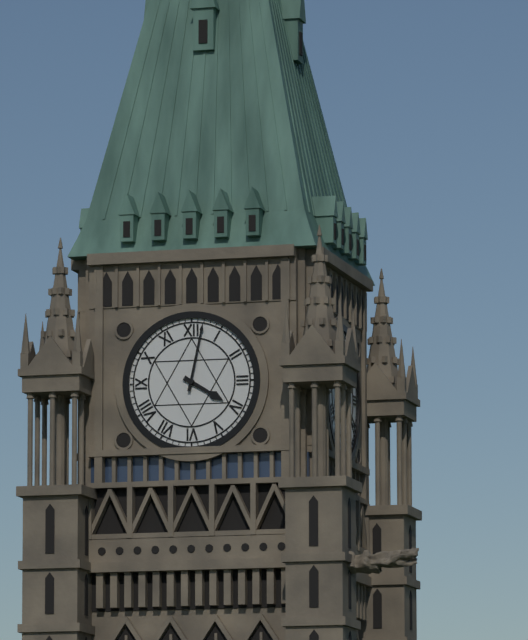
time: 4:02
